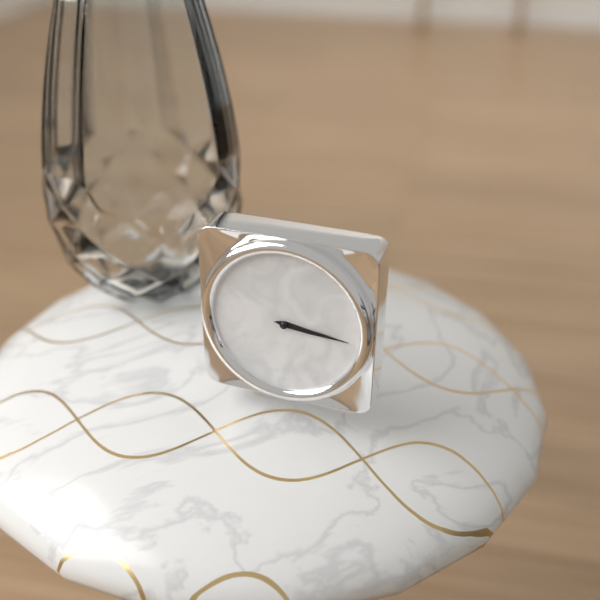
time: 3:16
